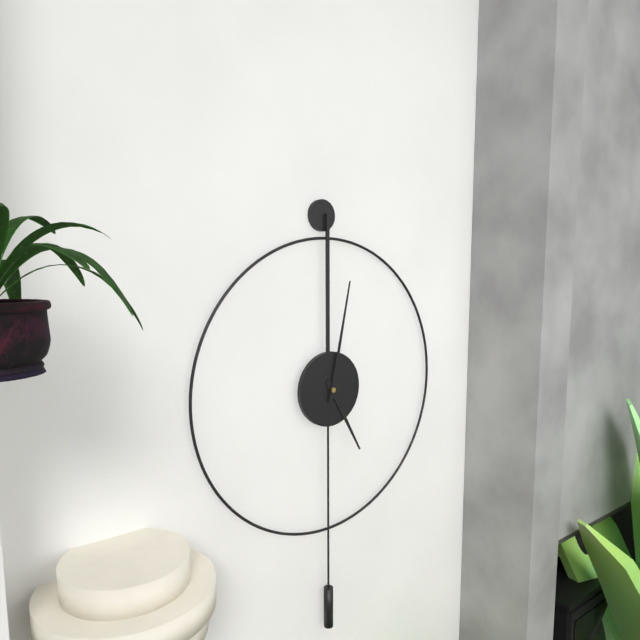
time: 5:02
